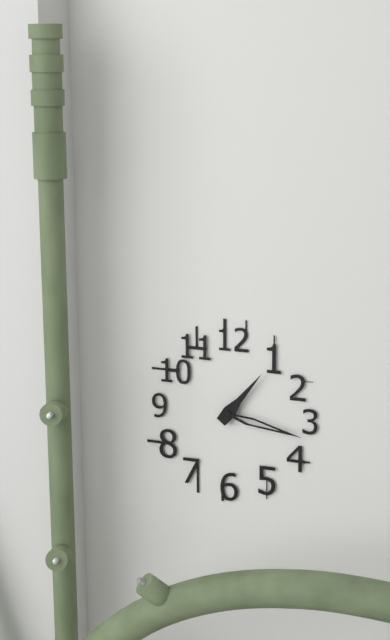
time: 1:17
